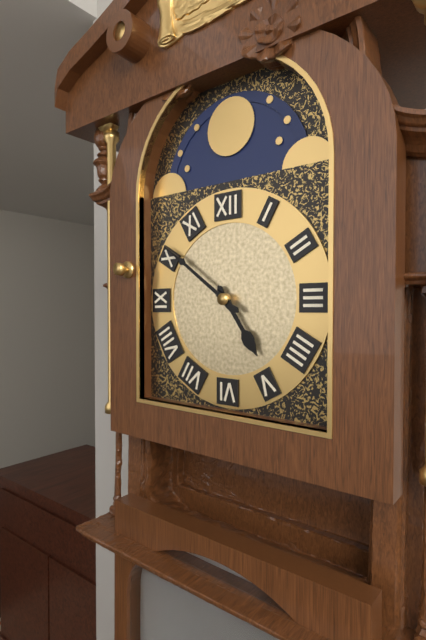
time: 4:51
